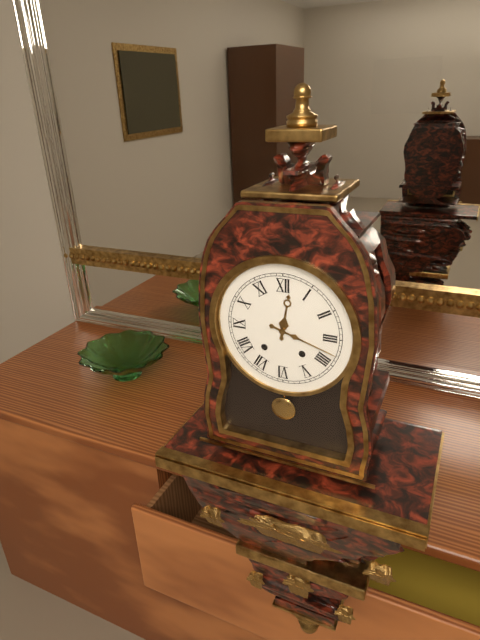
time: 12:18
